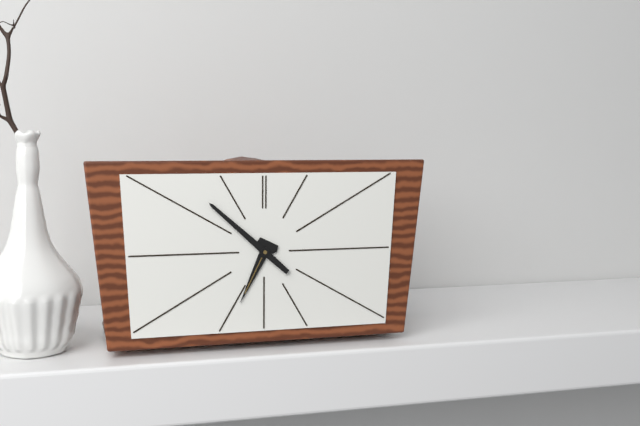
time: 6:52
